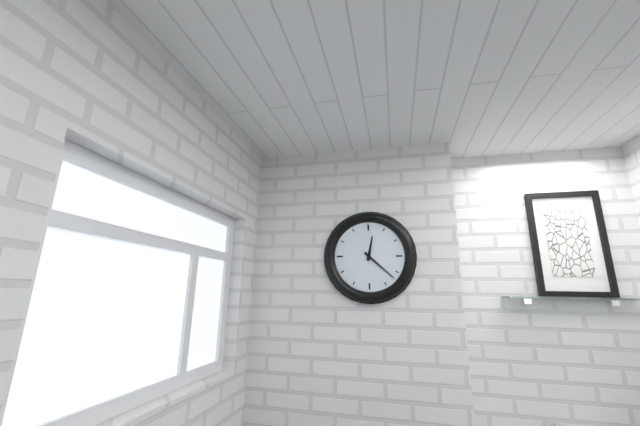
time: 12:22
